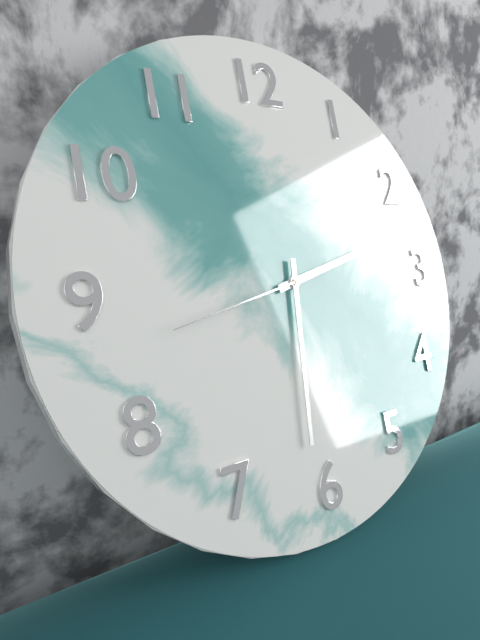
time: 2:31:43
